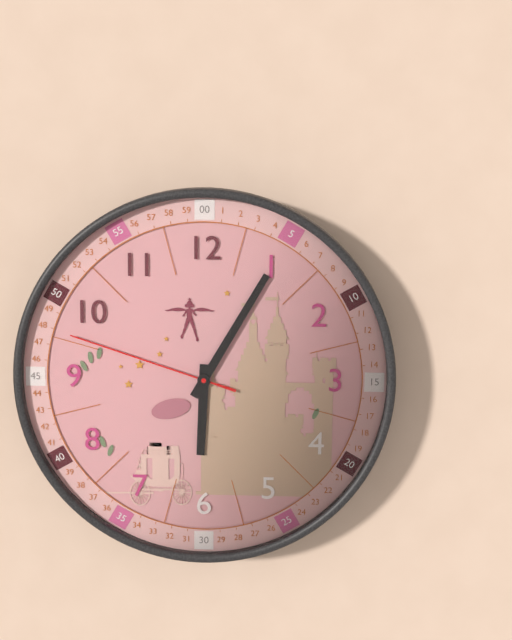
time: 6:05:48
